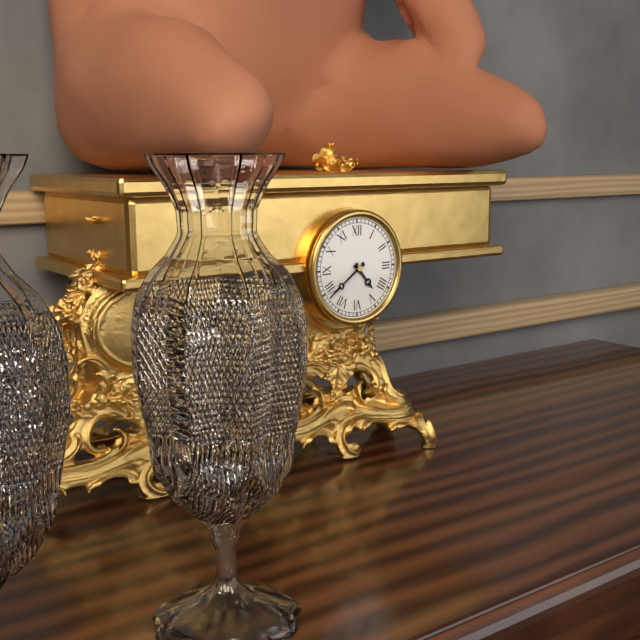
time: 4:39
